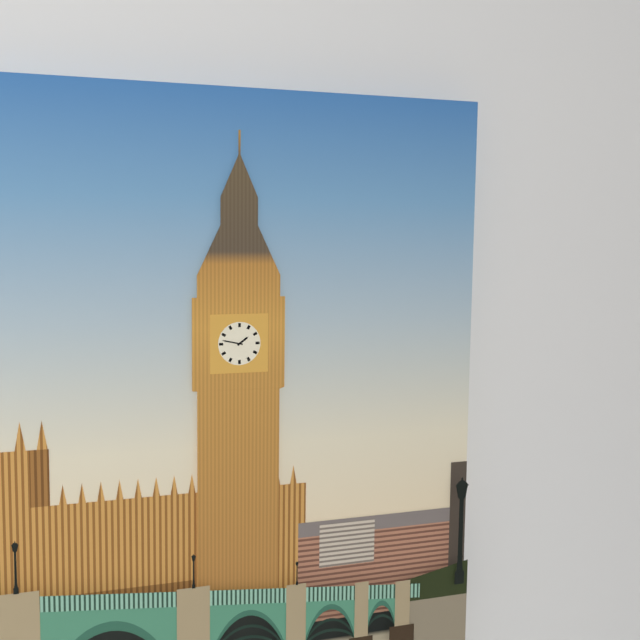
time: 1:47
